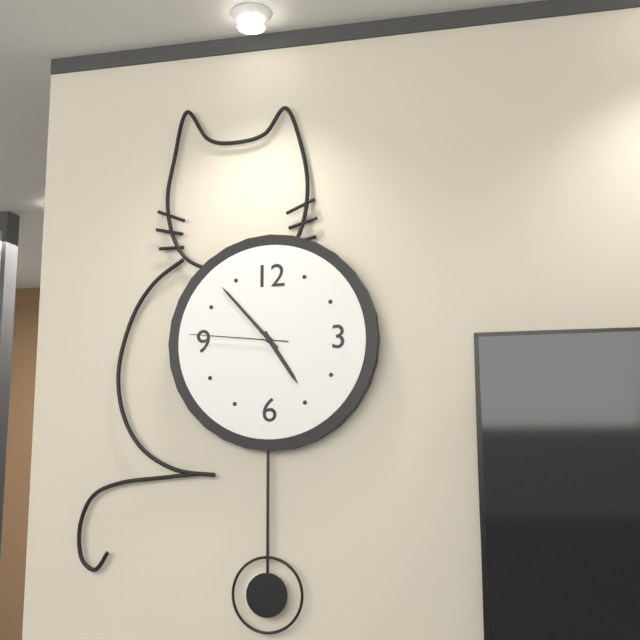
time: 4:53:46
